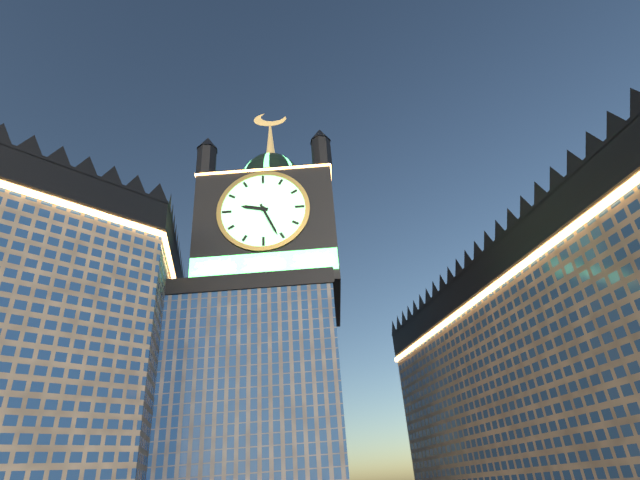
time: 9:26
